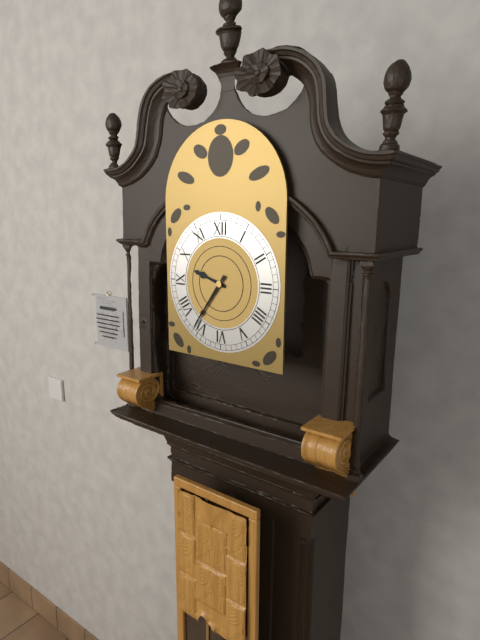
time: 9:36
